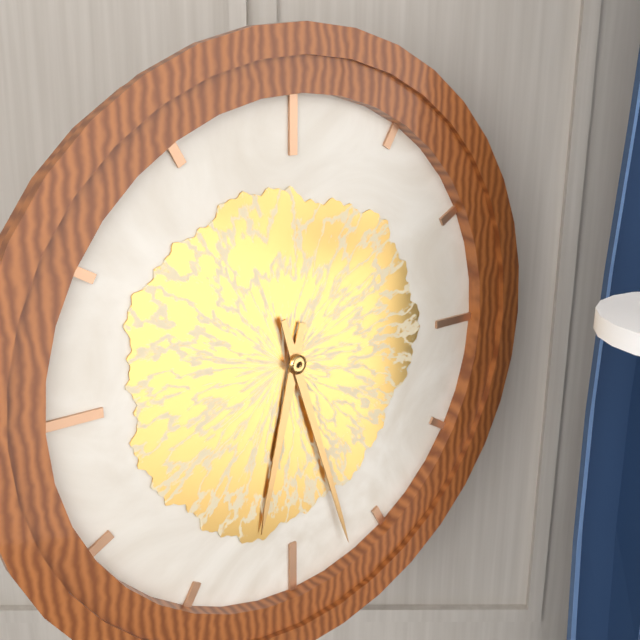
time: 6:27
